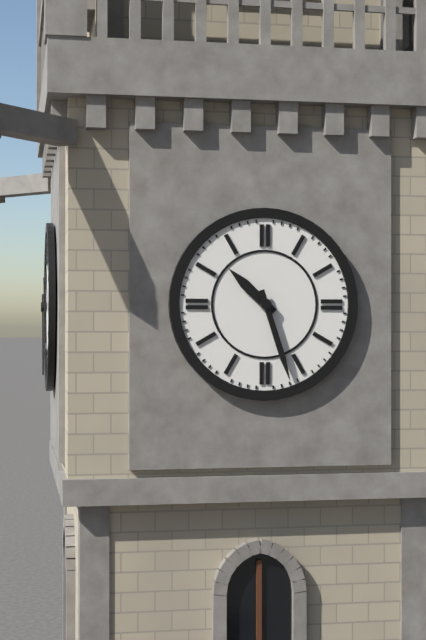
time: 10:27
